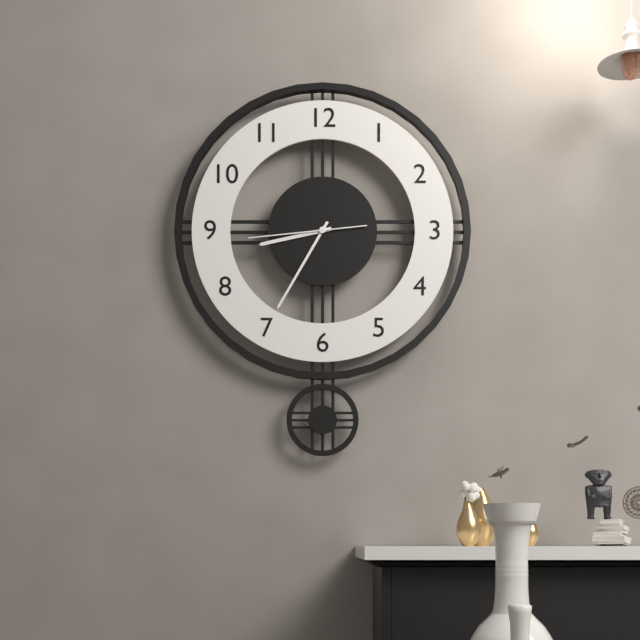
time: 8:35:44
